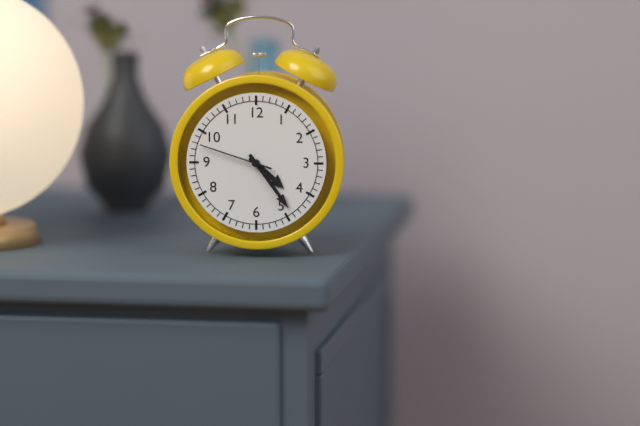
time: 4:24:48
